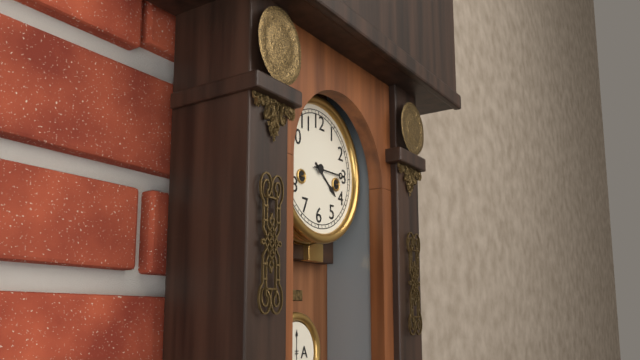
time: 4:15
